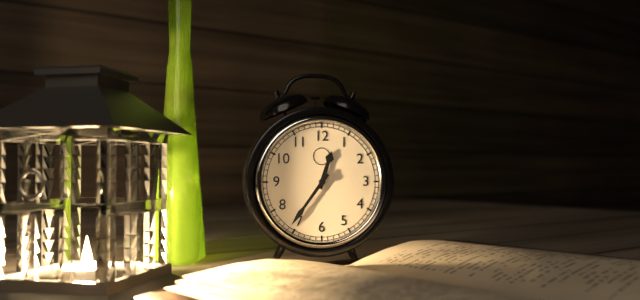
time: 12:36
